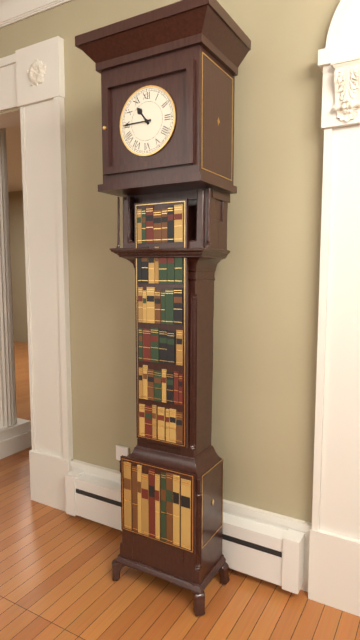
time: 10:45
